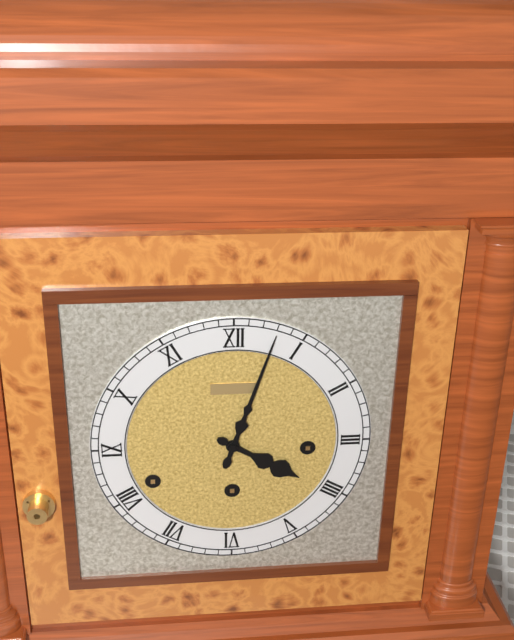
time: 4:03
